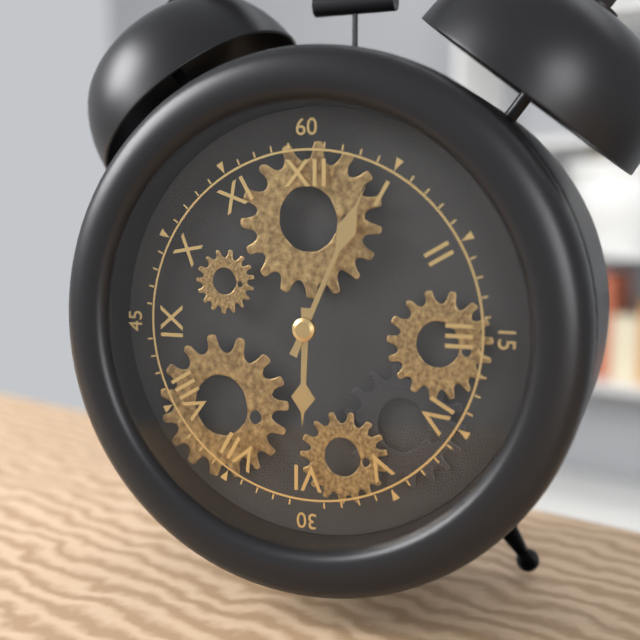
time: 6:04
